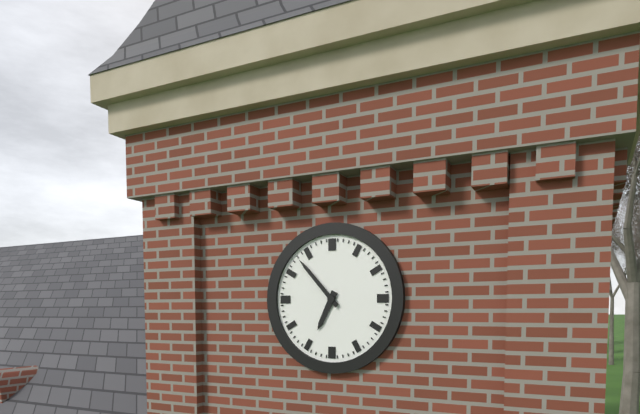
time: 6:53
